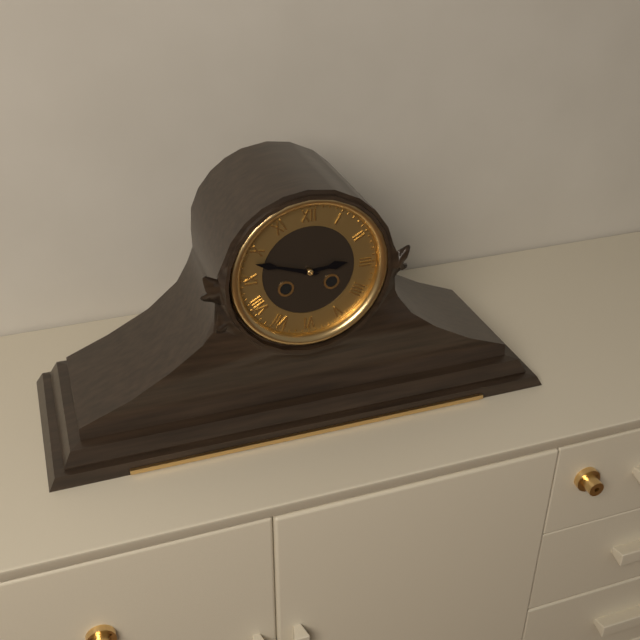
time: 2:48
